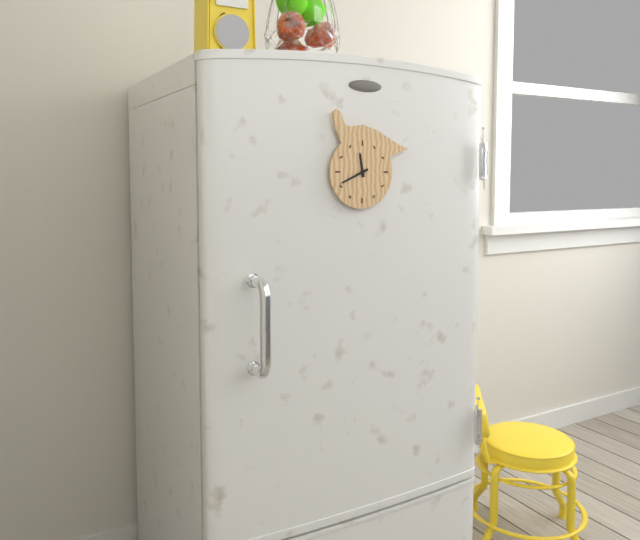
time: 11:41
